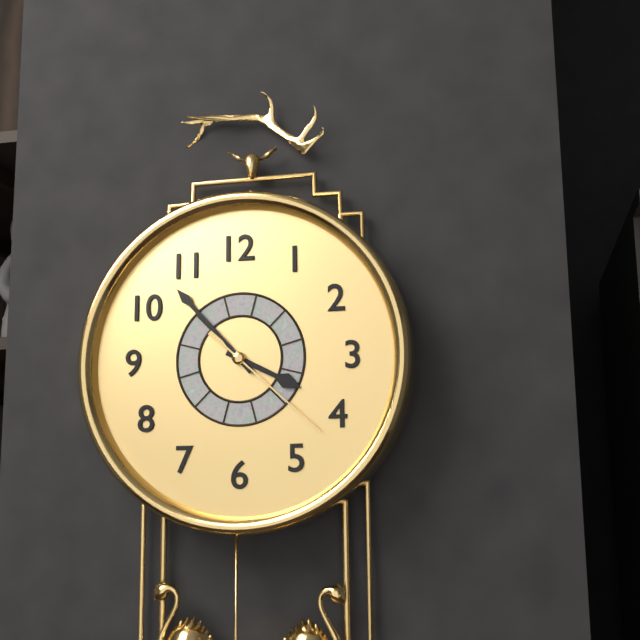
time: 3:53:22
